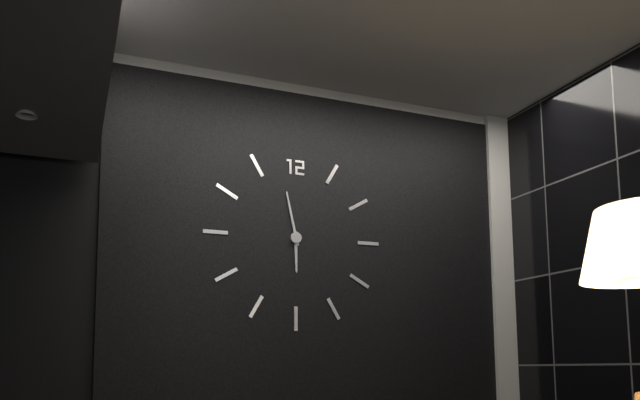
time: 5:58
